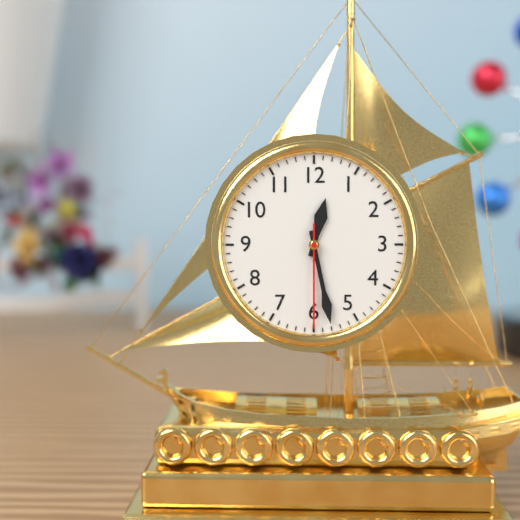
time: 12:28:30
